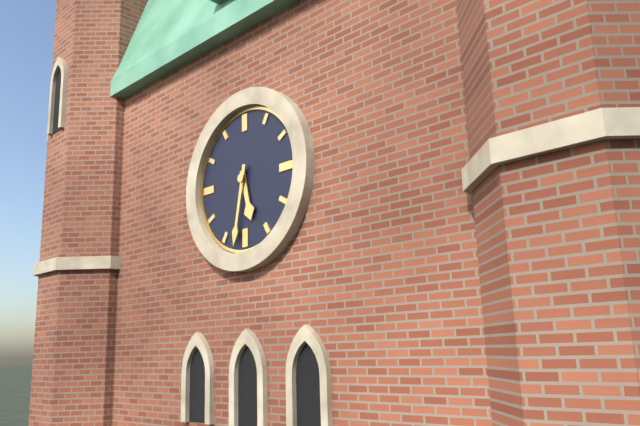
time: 5:32
